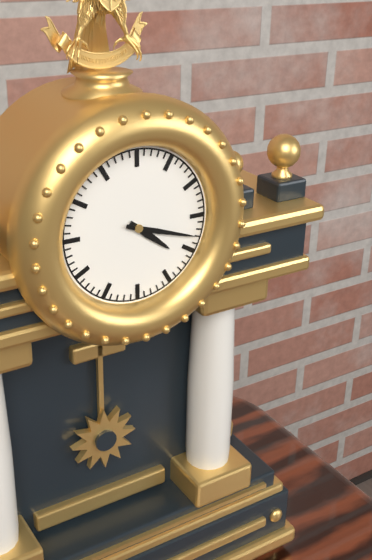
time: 4:18
